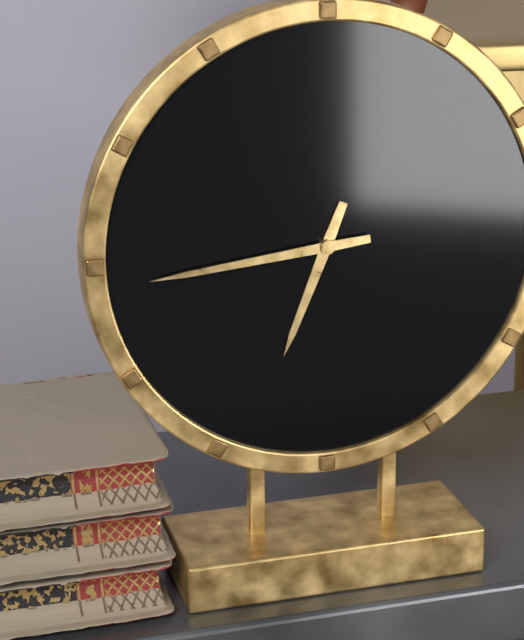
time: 6:44
